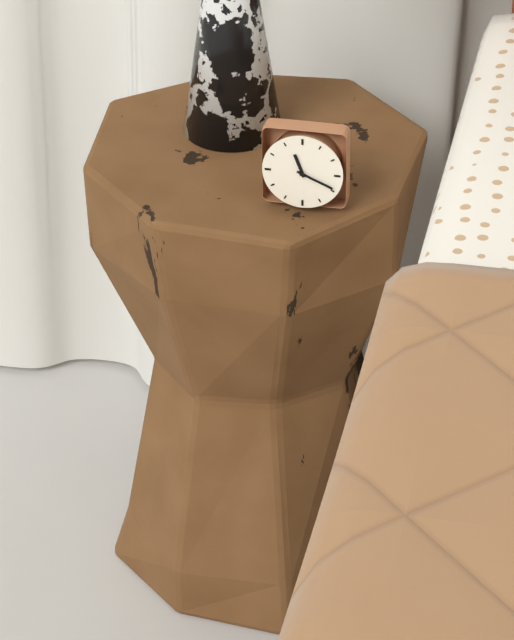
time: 11:19
